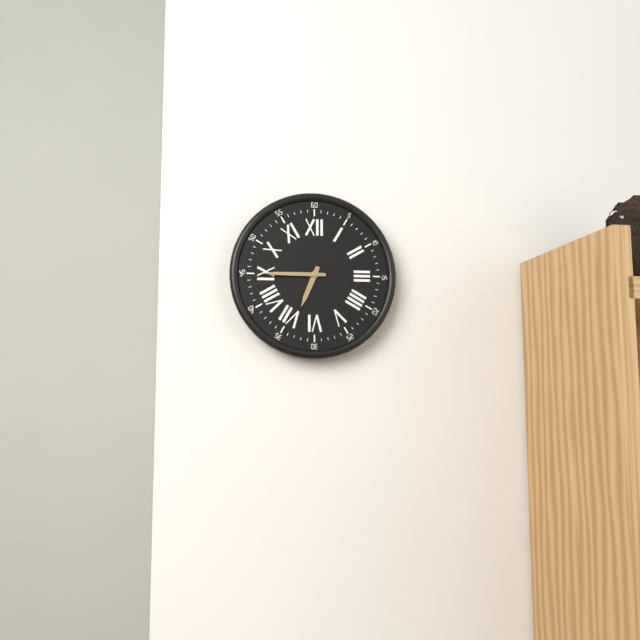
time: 6:45
